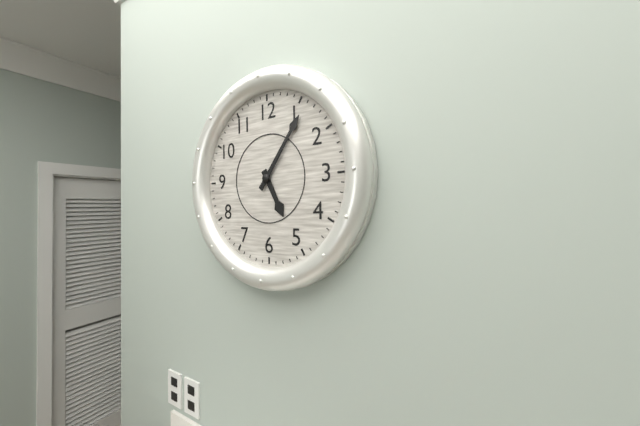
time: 5:06
